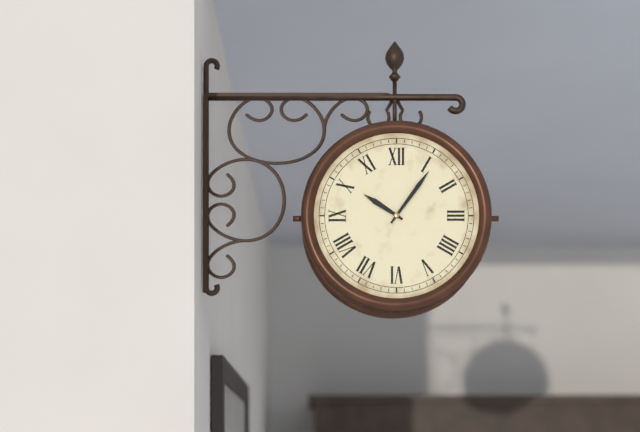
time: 10:06
